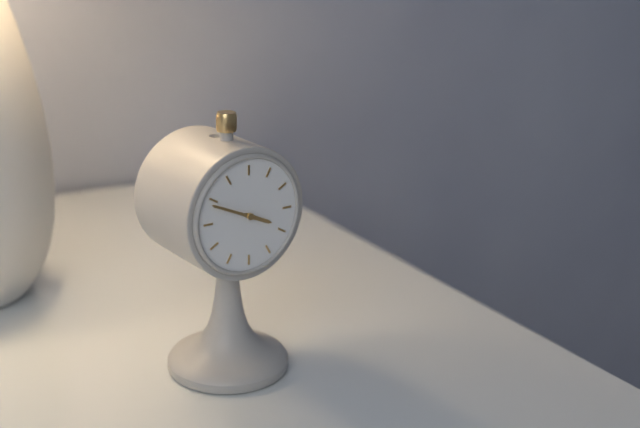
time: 3:49
